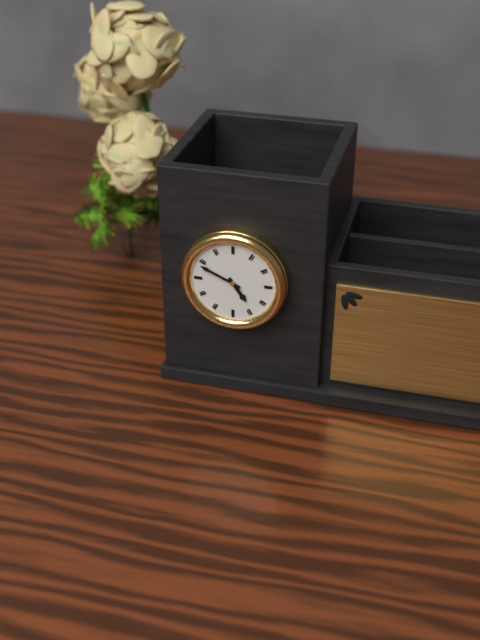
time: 4:49
